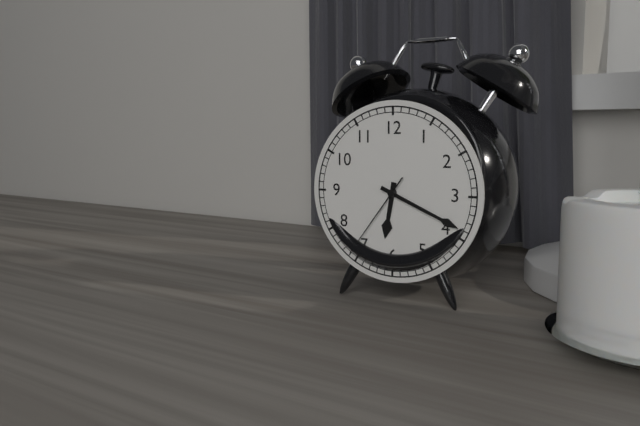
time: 6:19:36
